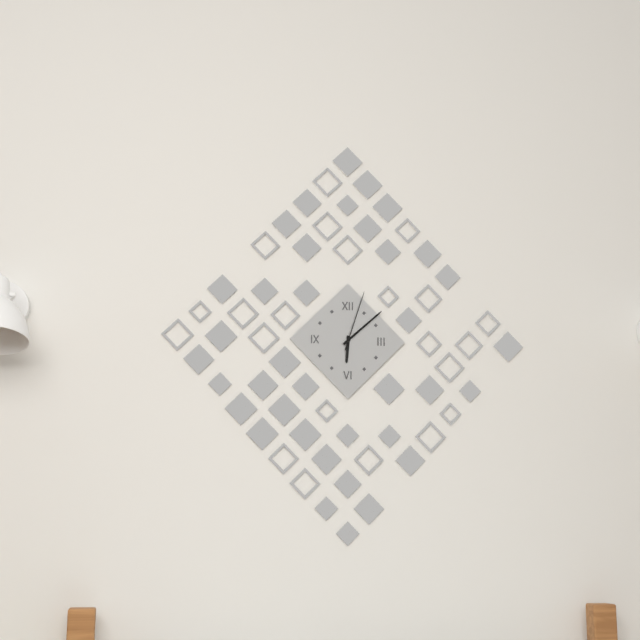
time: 6:08:03
